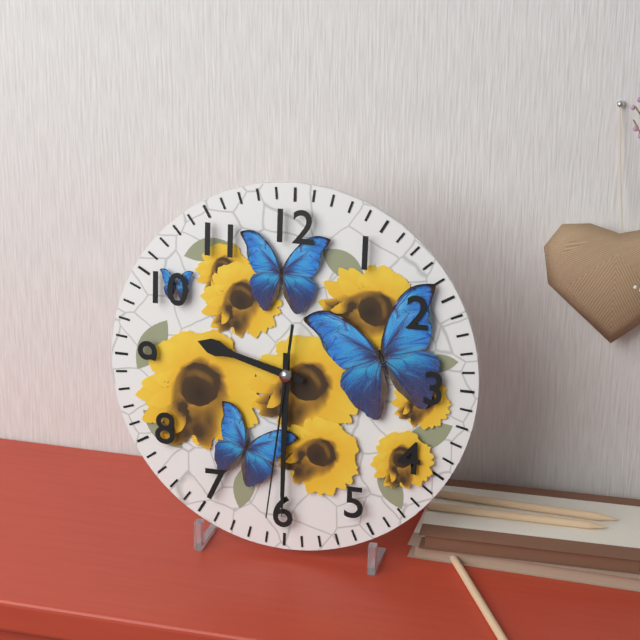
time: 9:30:31
